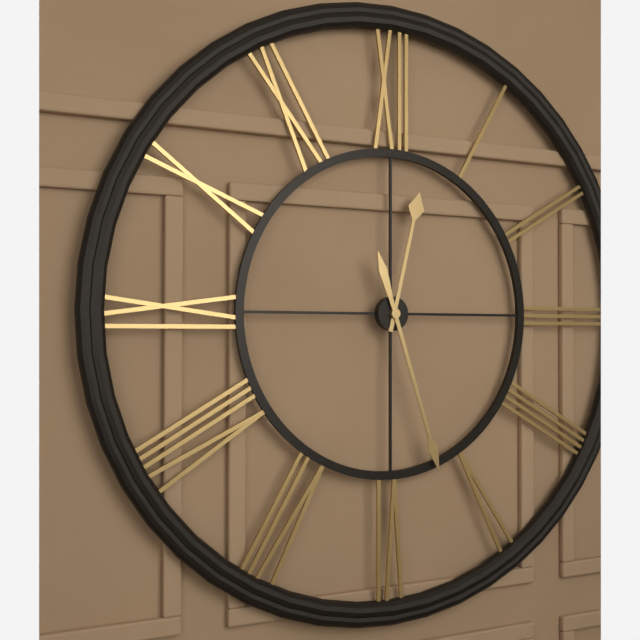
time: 12:27
